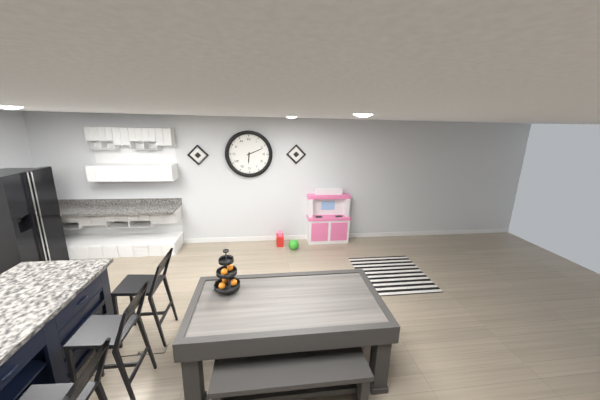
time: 6:11
